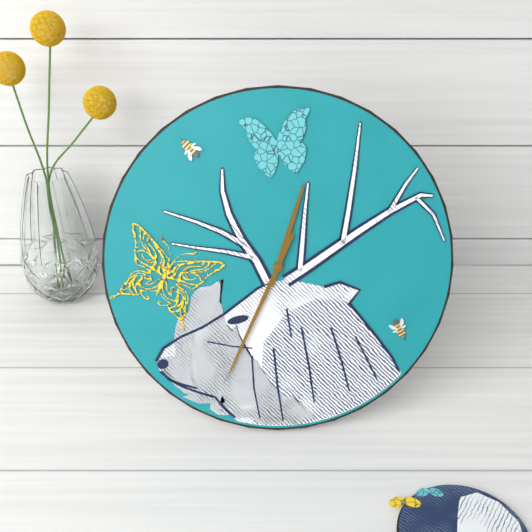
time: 12:34
